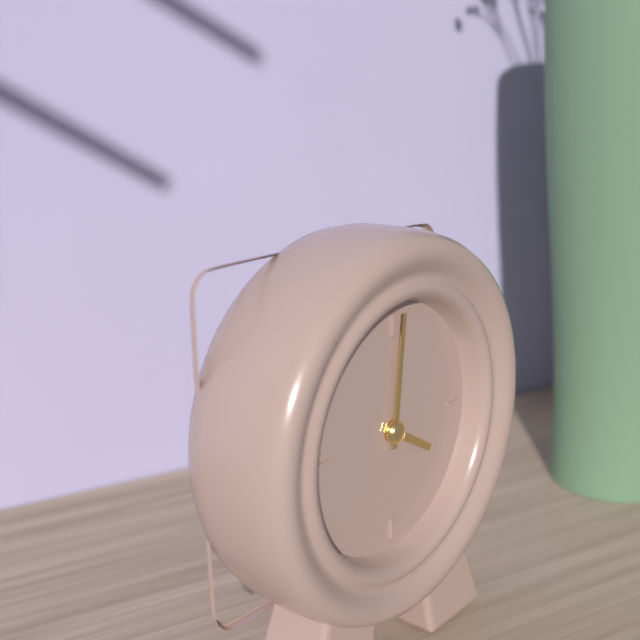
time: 4:01
